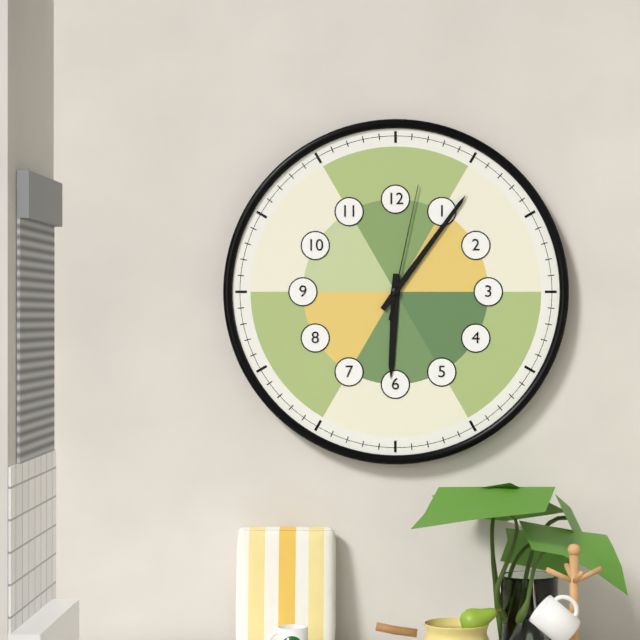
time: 6:06:02
